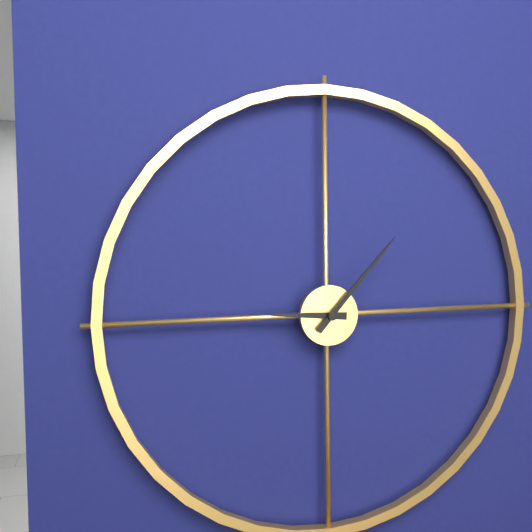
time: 9:07
